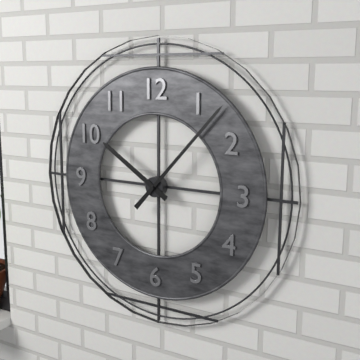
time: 10:07
